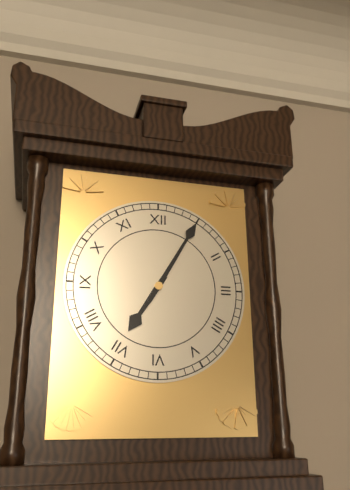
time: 7:05
